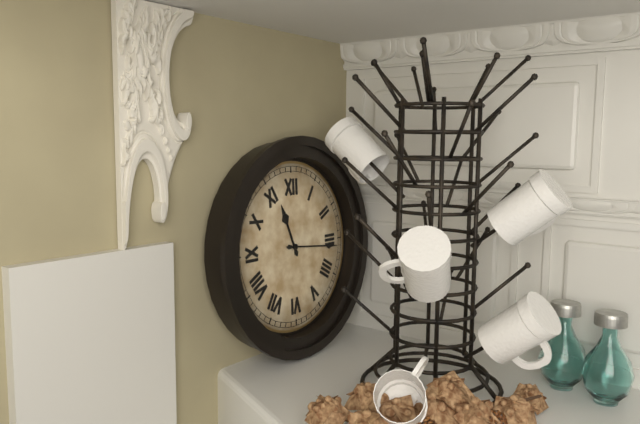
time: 11:16
